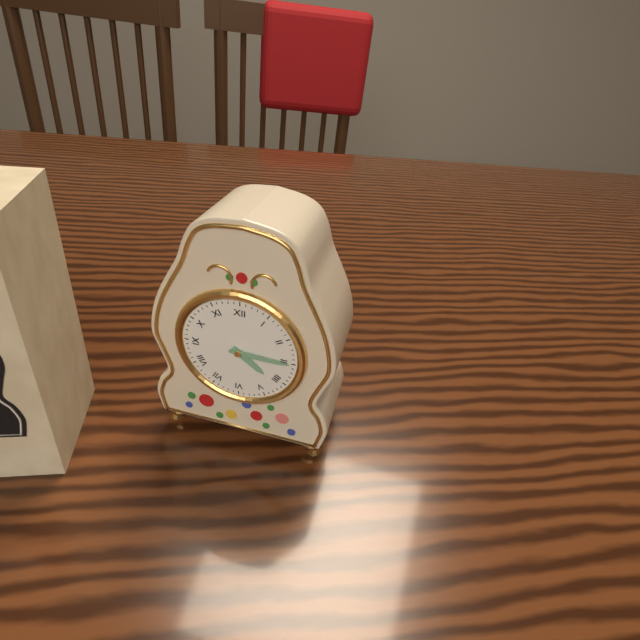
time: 4:15
